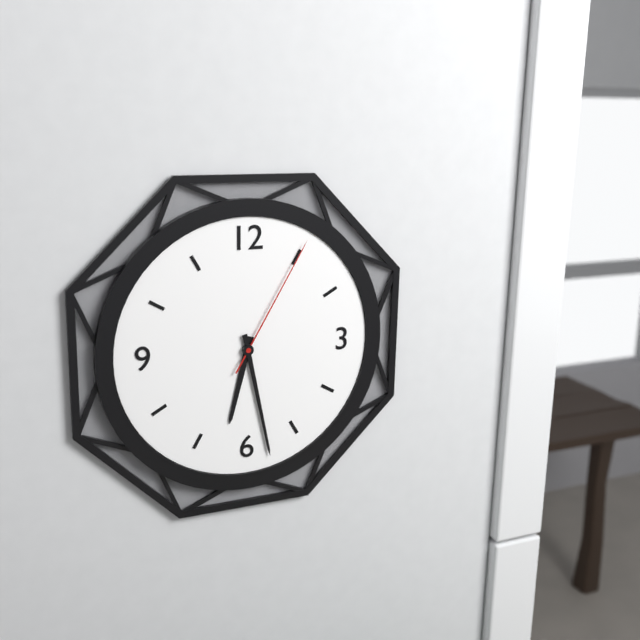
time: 6:28:05
